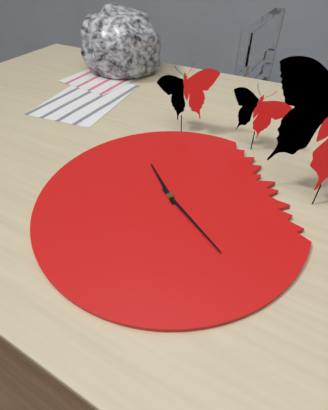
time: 10:20
